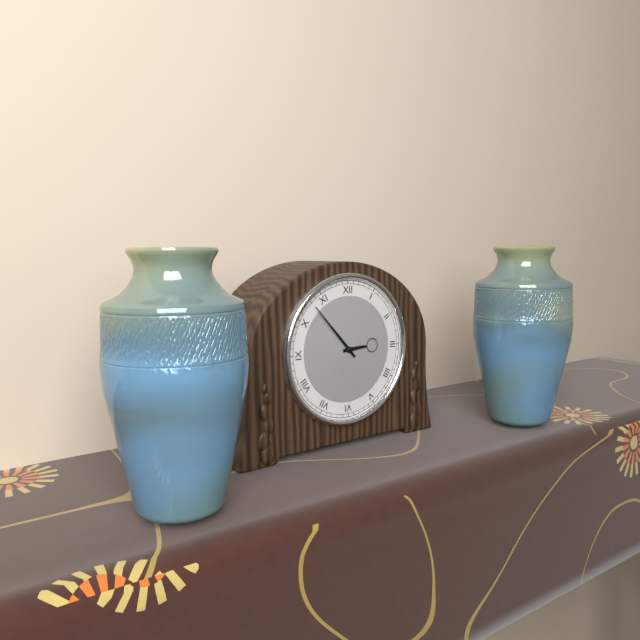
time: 2:53
